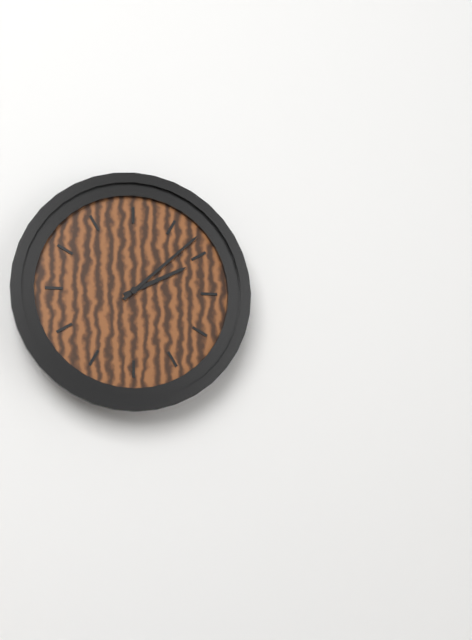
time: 2:08
